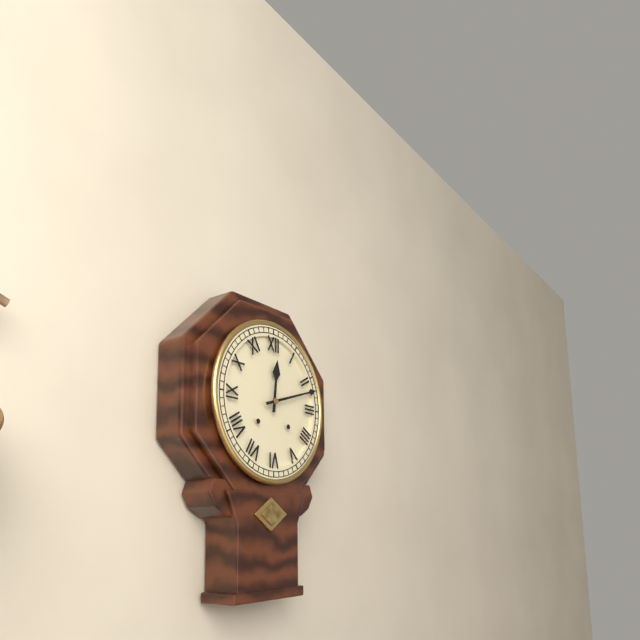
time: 12:12
